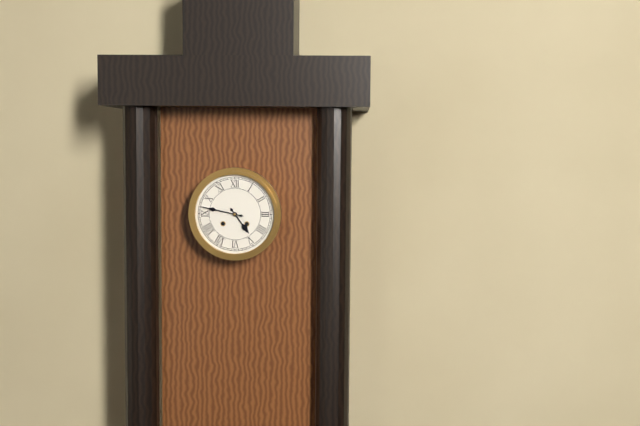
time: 4:47
